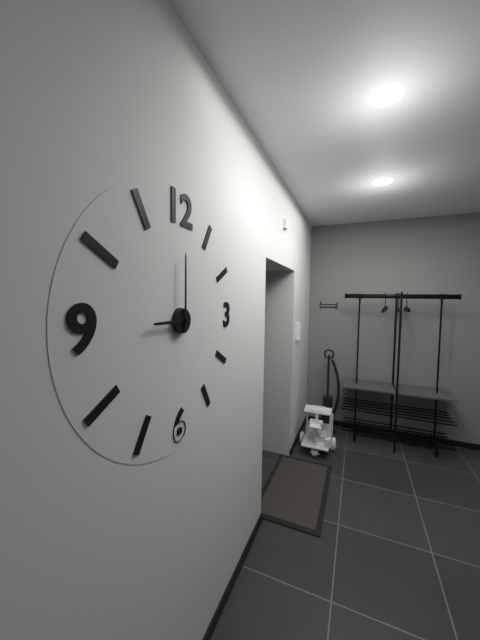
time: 9:00
